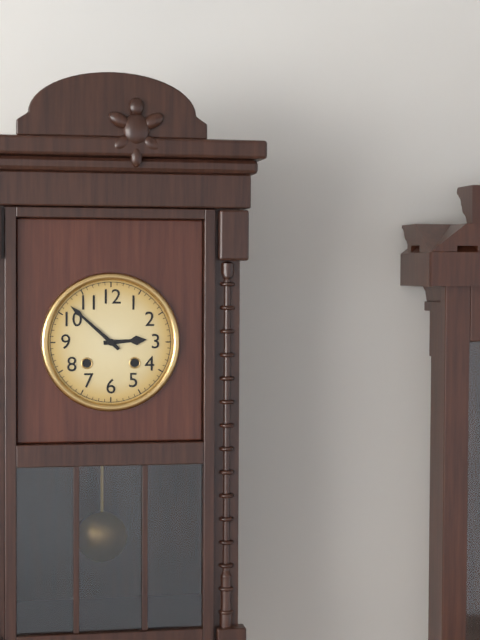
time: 2:52
